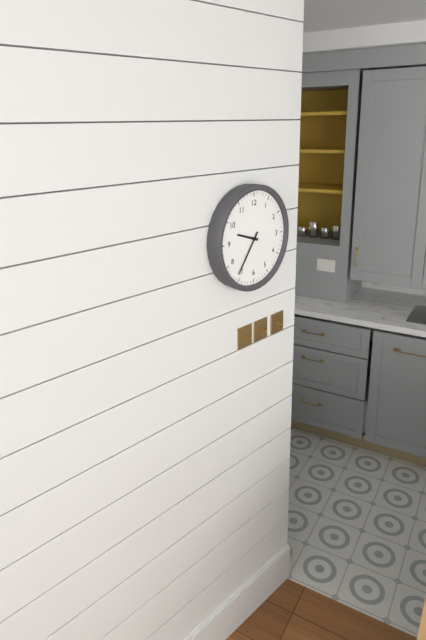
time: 9:36
